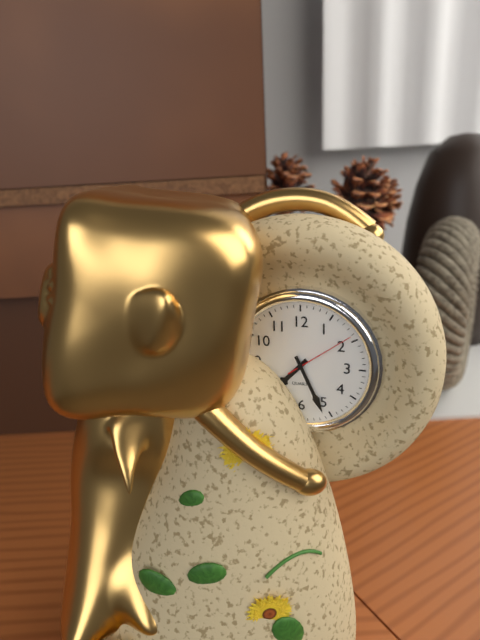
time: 7:26:09
